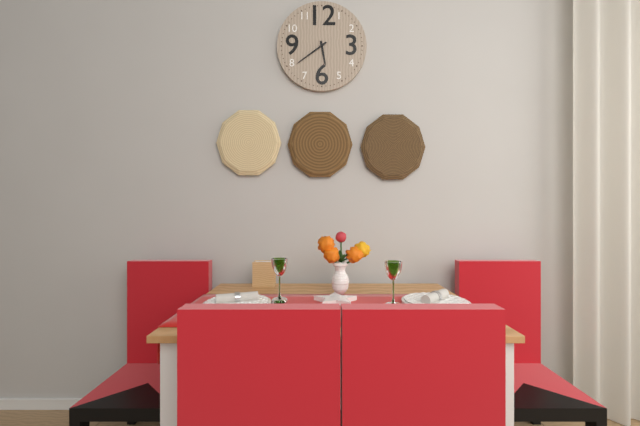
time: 5:39
